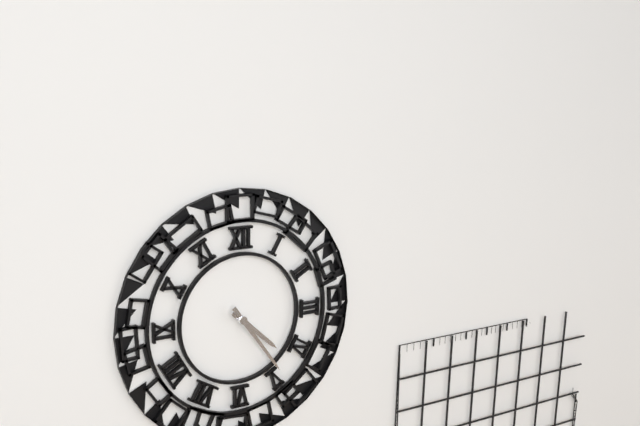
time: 4:24
